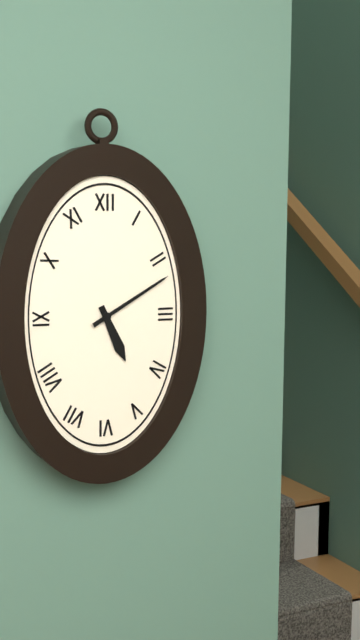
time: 5:10
